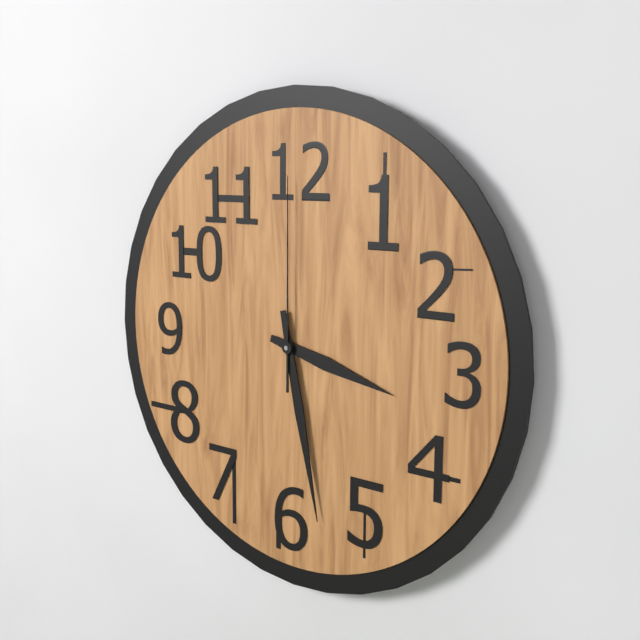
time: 3:28:00
